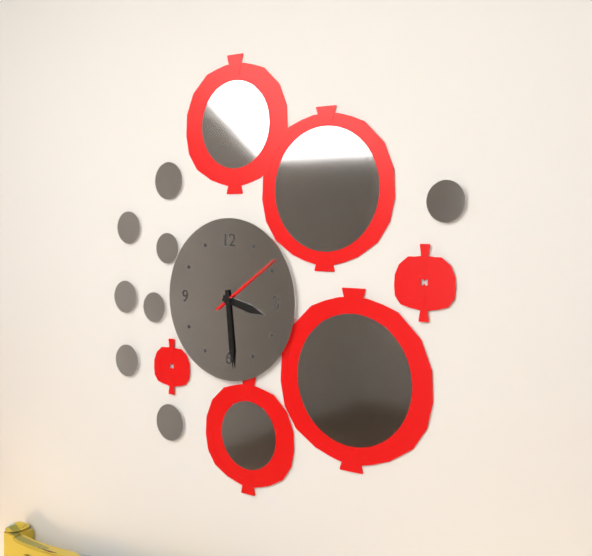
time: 3:29:09
